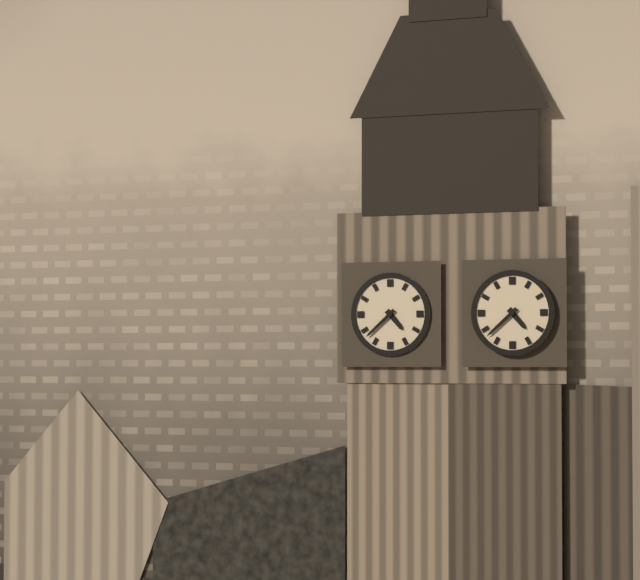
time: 4:38
